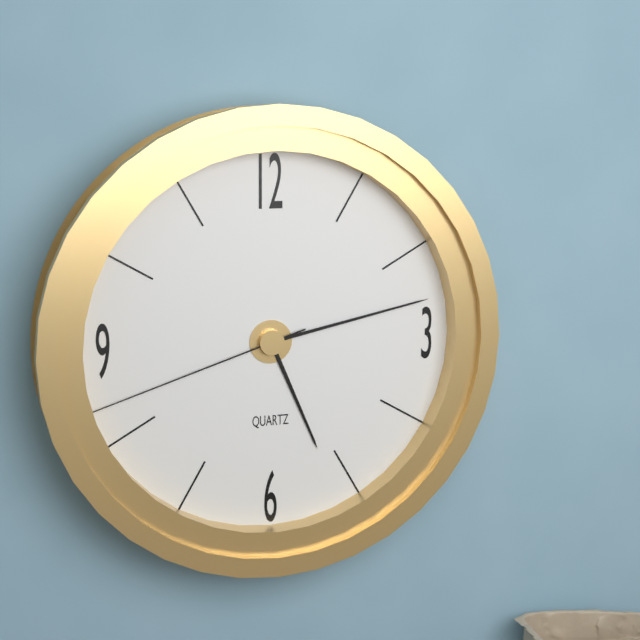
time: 5:13:42
